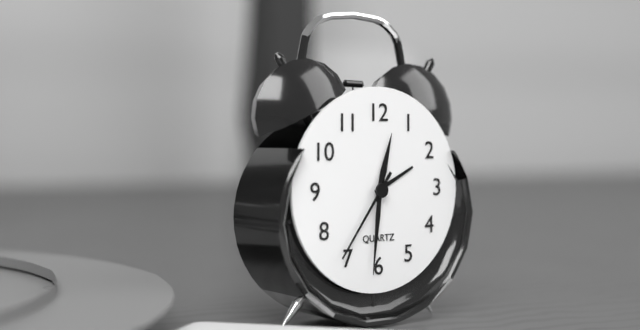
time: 12:31:36
